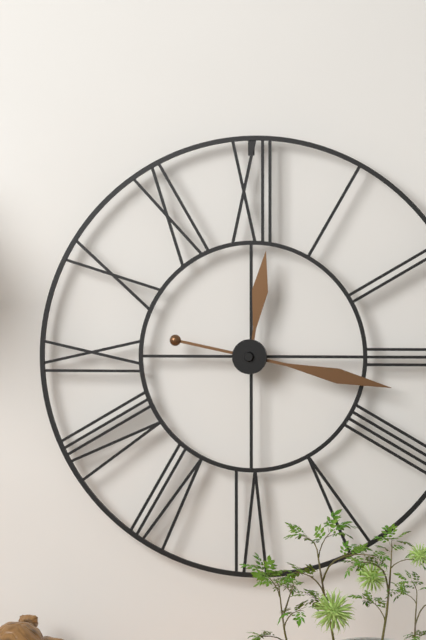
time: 12:17
